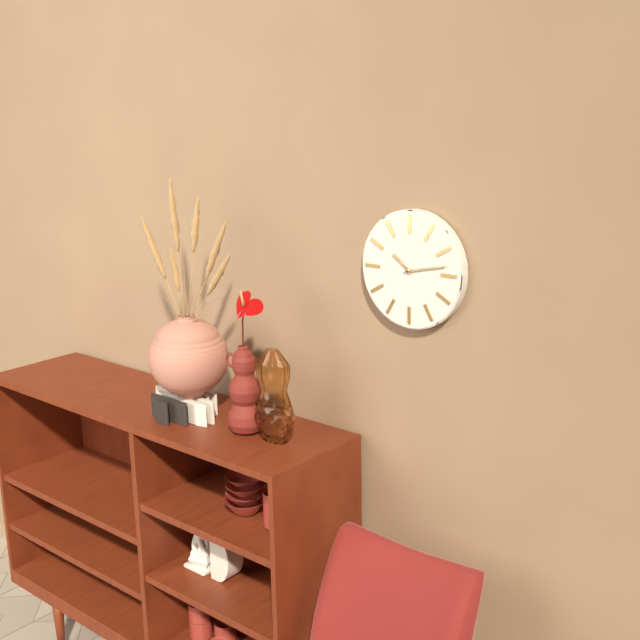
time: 10:13
